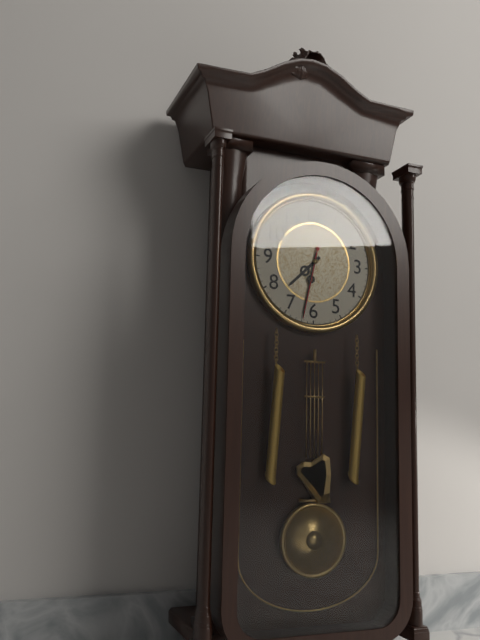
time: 7:32:32
